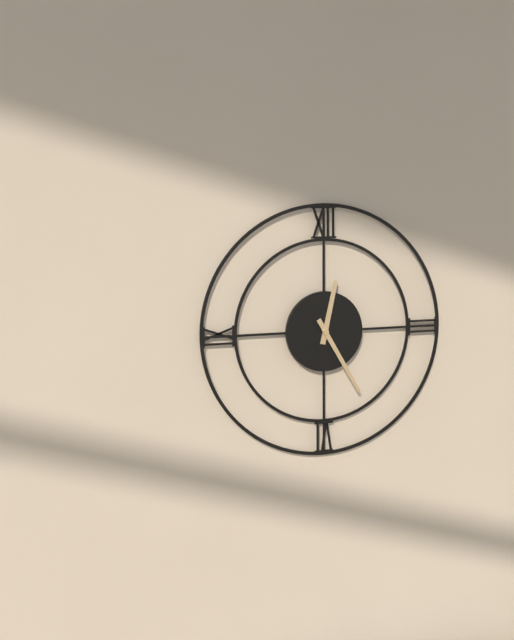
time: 12:25
